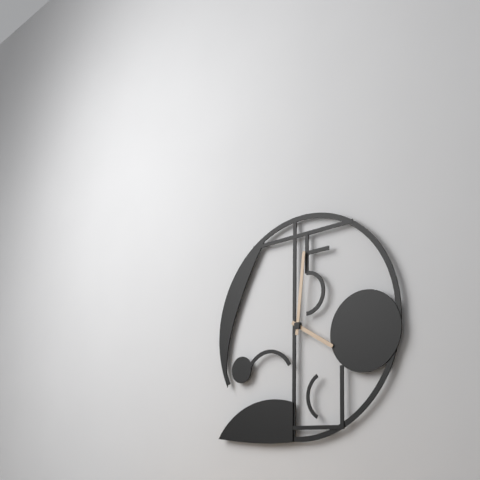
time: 4:01
